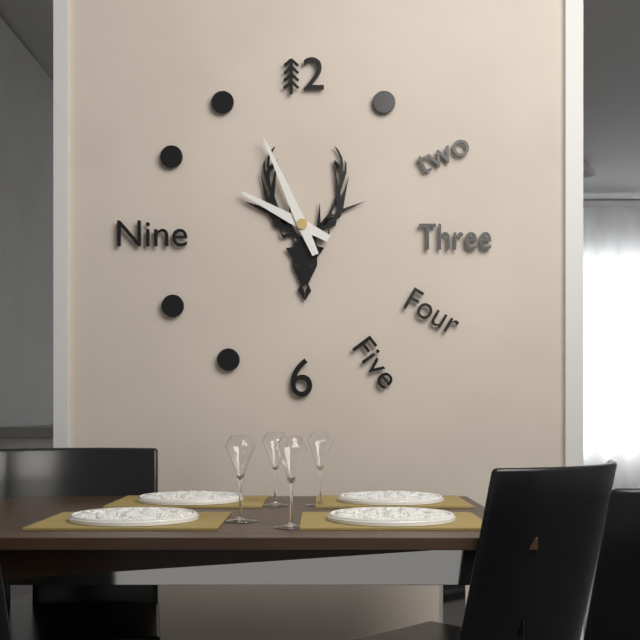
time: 9:56
